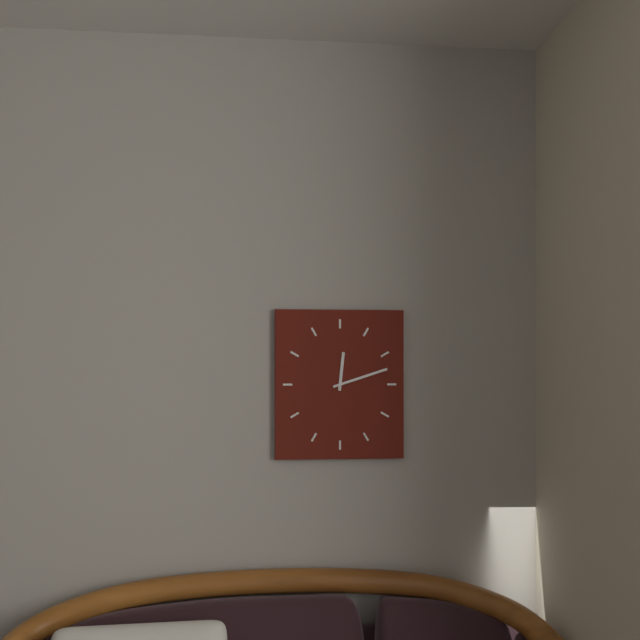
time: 12:12
